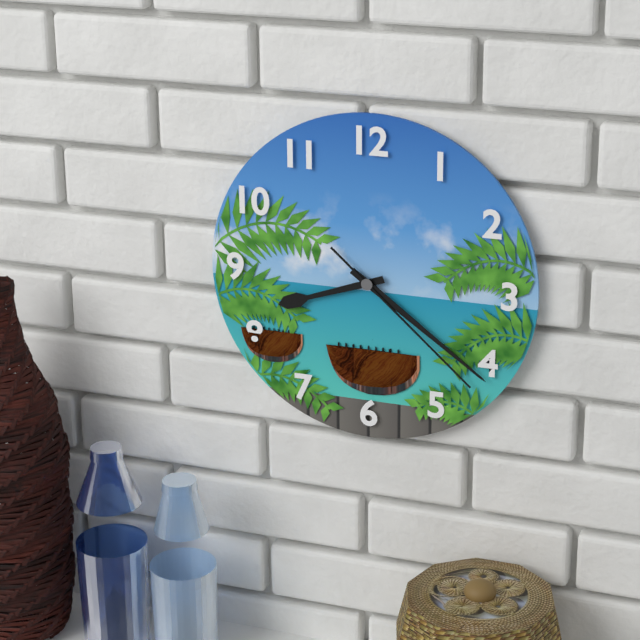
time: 8:21:22
